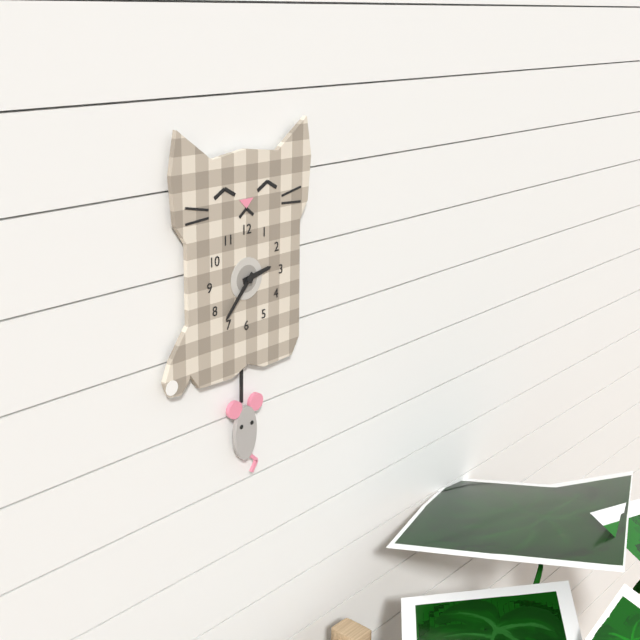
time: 2:37
